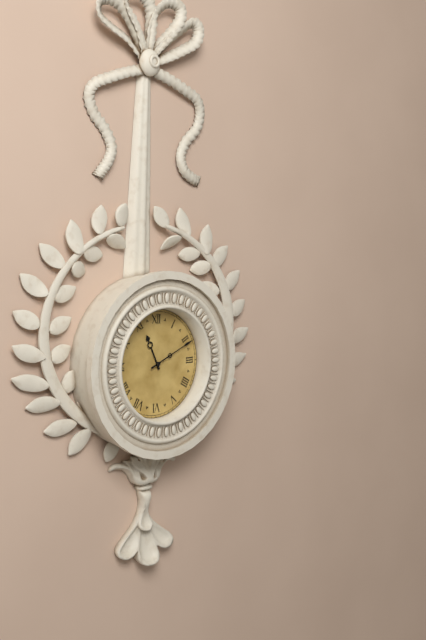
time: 11:11
